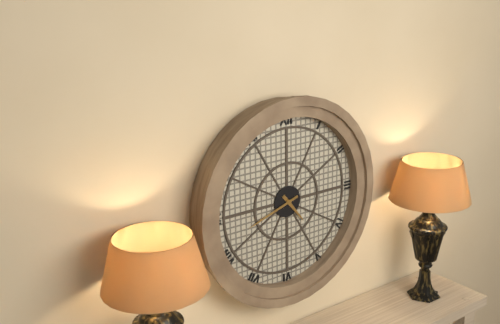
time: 4:42
